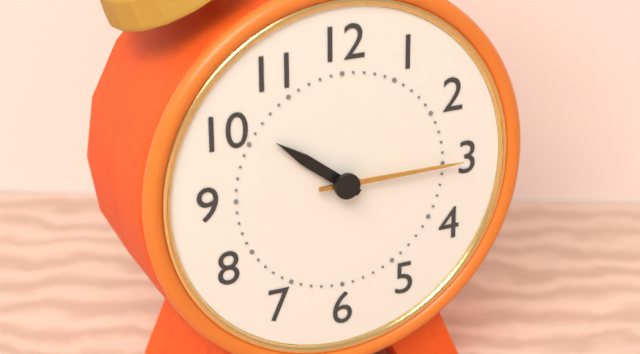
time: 10:15
